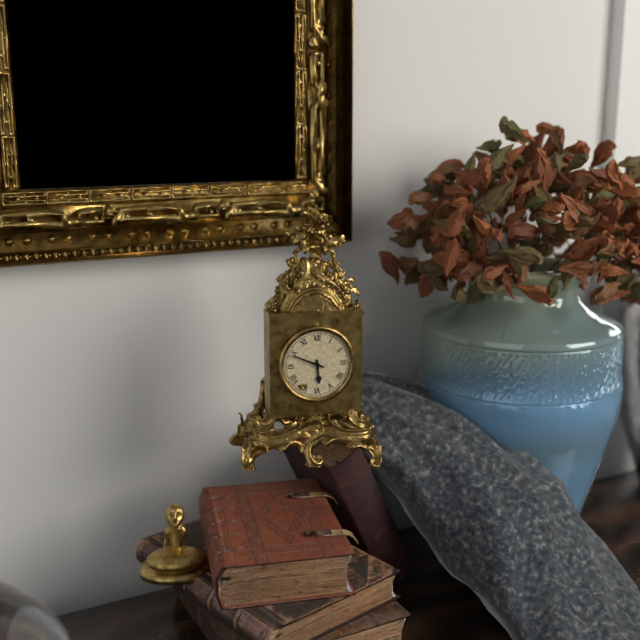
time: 5:49
